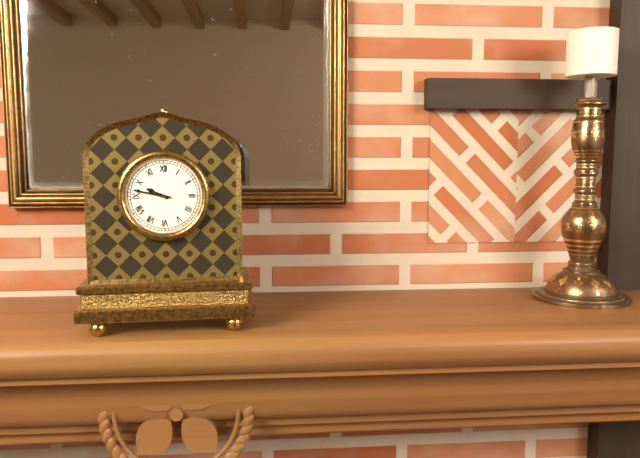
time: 9:47
